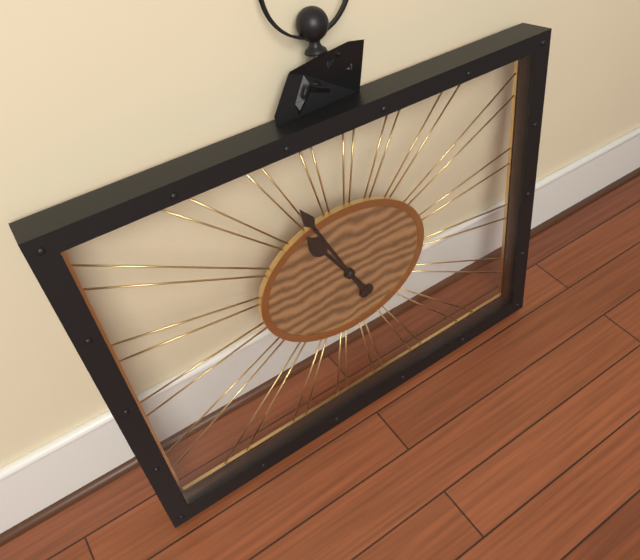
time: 10:56
